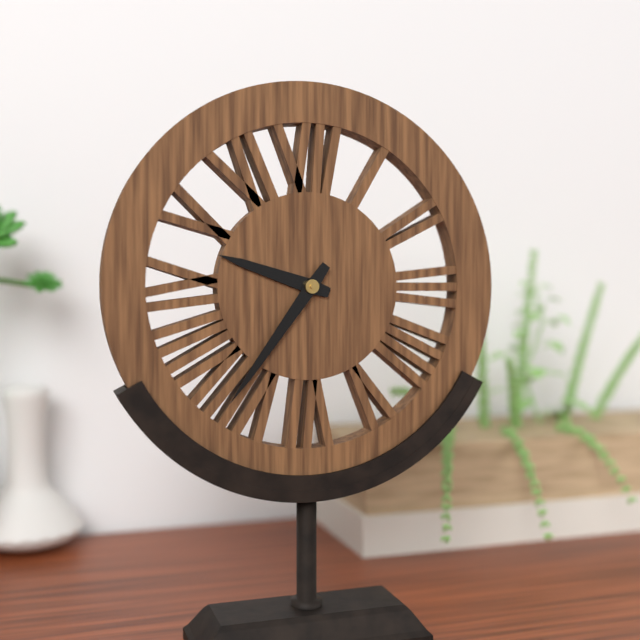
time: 9:36
